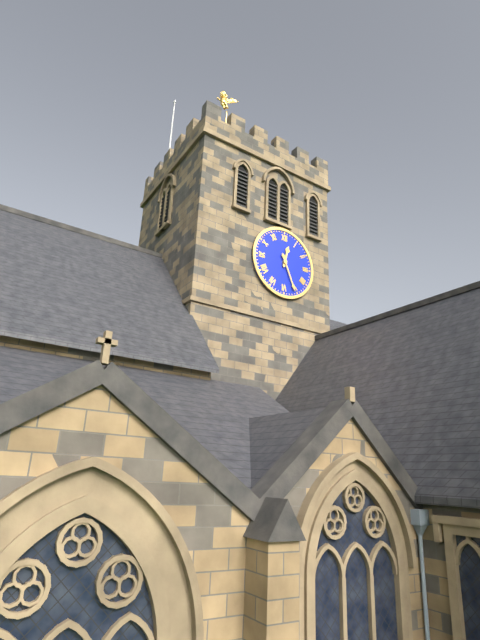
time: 12:26
